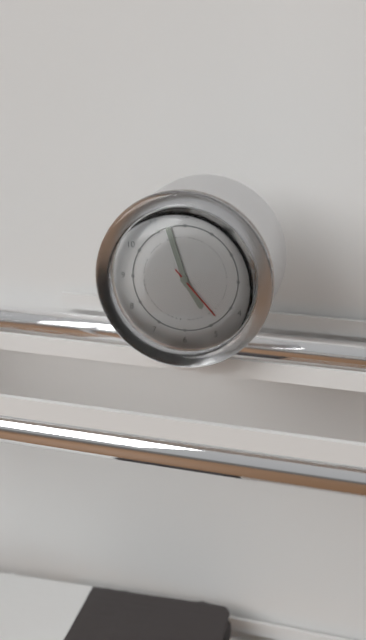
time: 4:57:23
